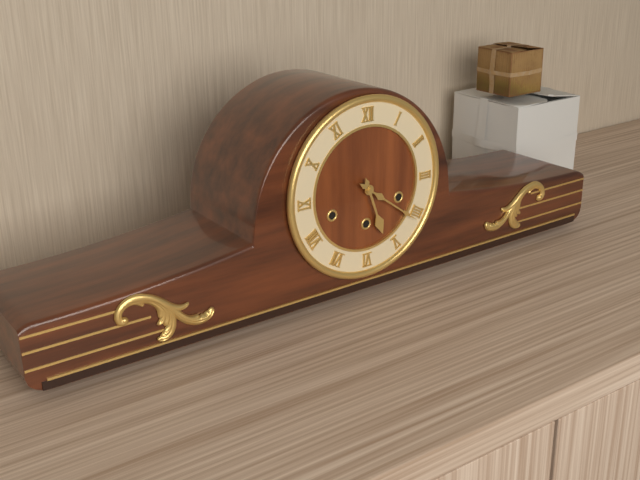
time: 5:21
